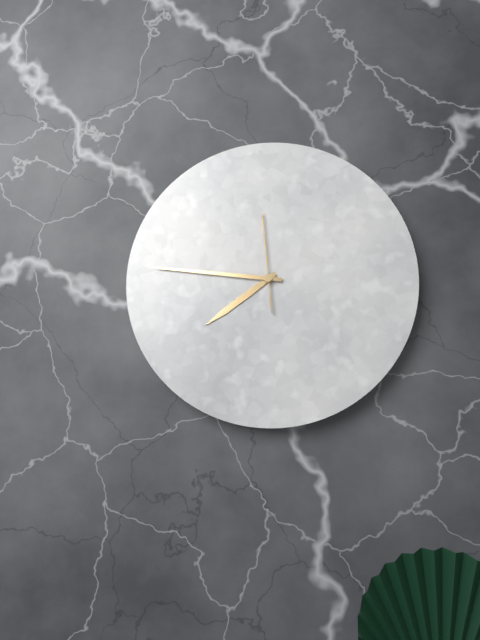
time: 7:46:59
